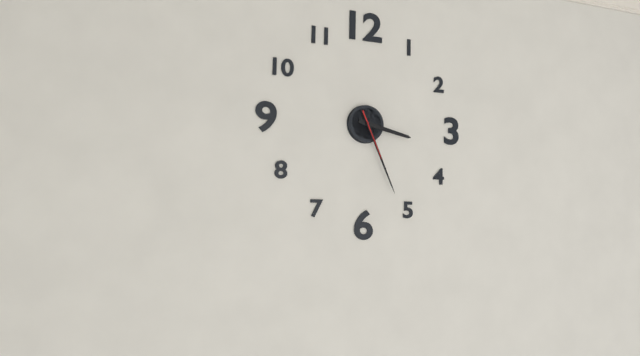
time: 3:26
